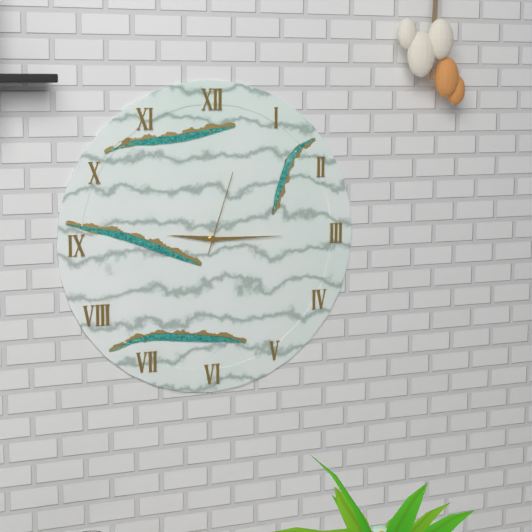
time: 9:15:03
